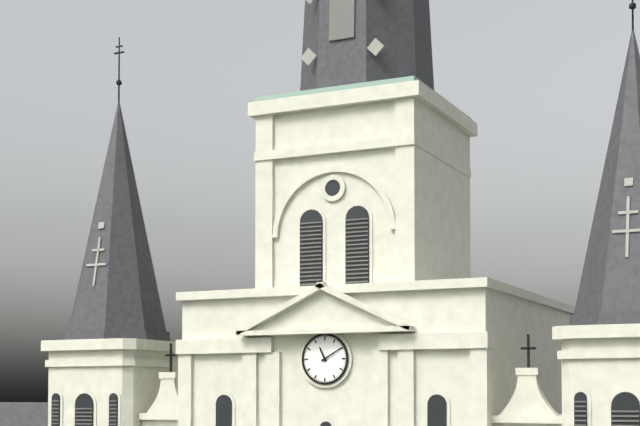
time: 11:10
